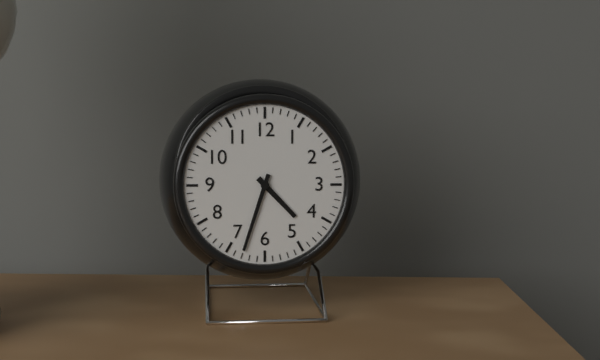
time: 4:33
